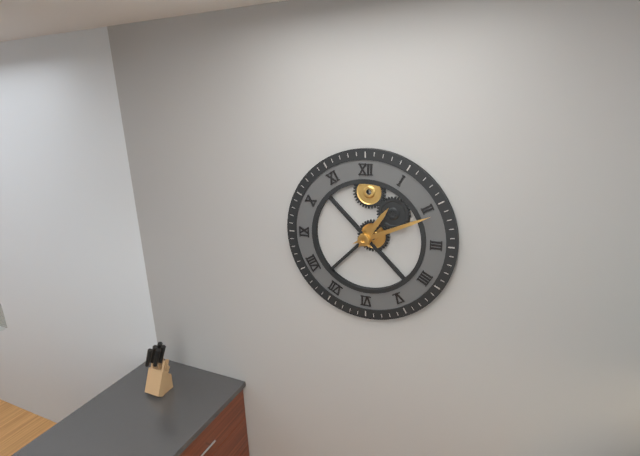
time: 1:11
